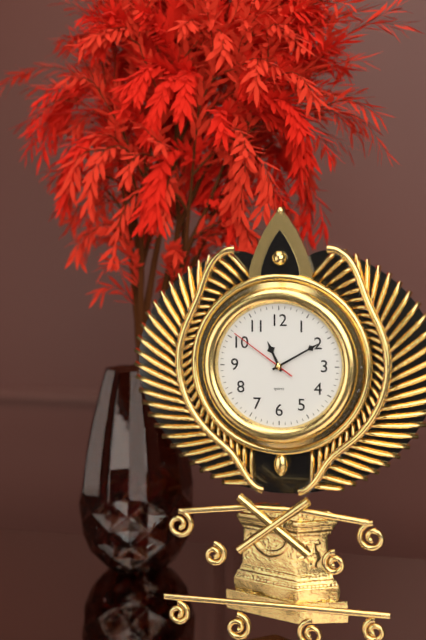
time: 11:10:51
